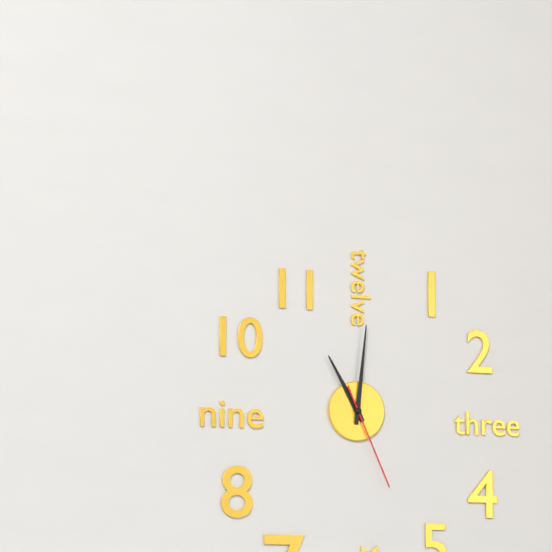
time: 11:01:26
